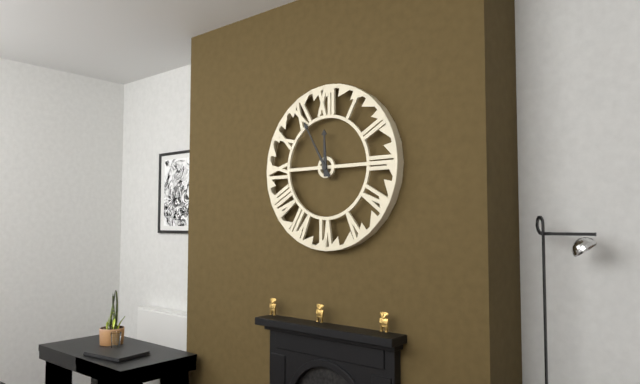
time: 11:55
